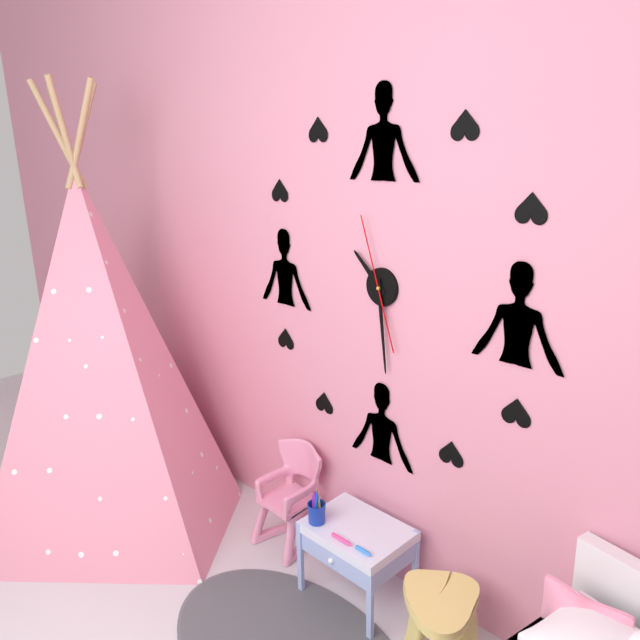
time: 10:29:57
